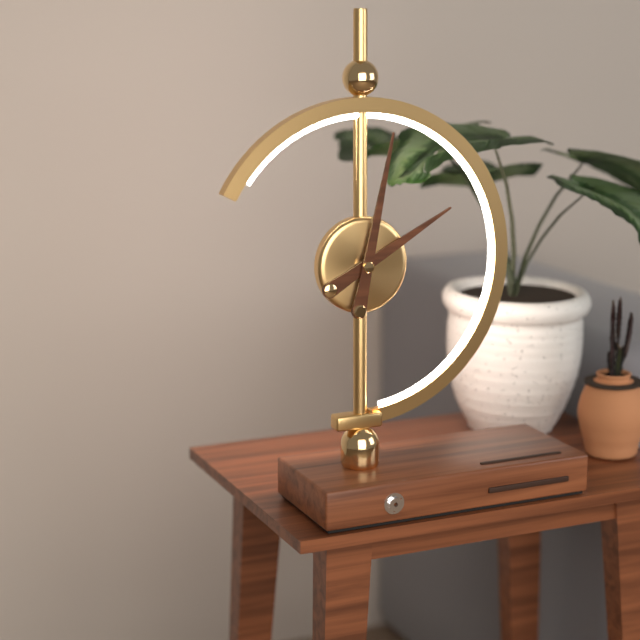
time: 2:02
